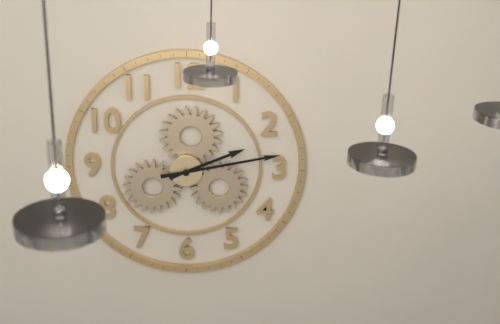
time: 2:13
